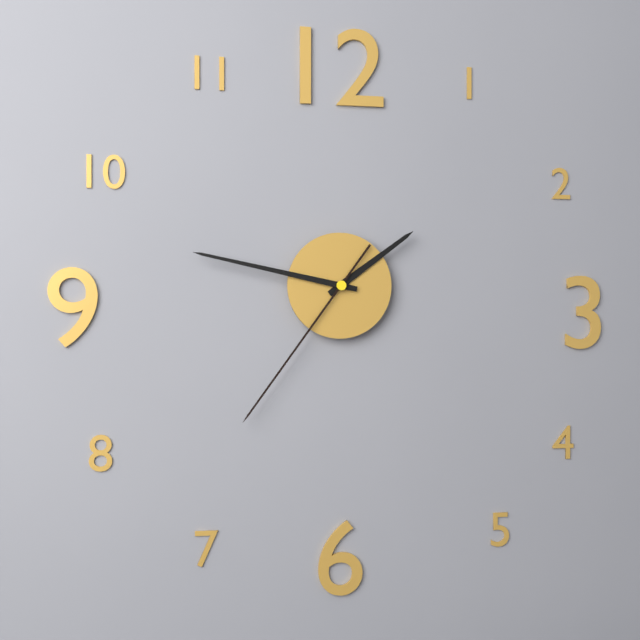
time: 1:47:36
